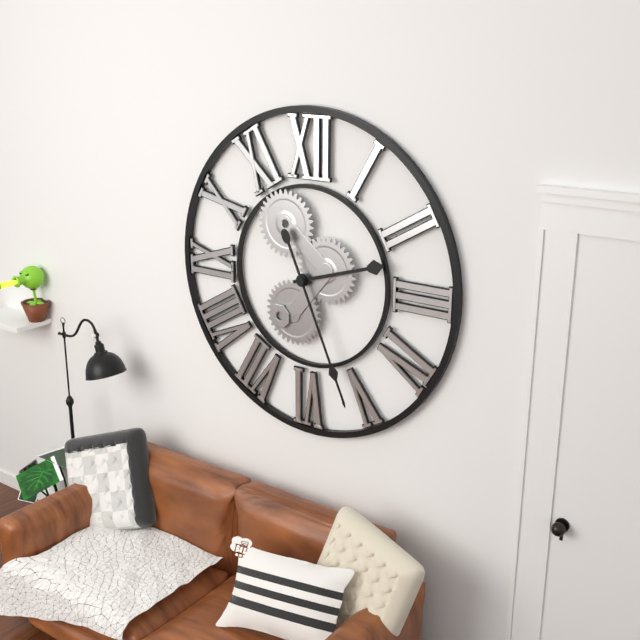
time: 2:26
